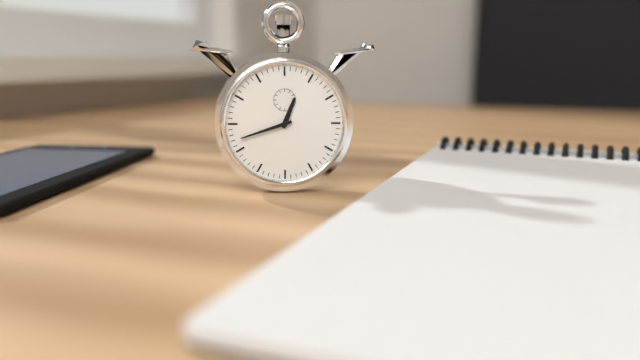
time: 12:42
